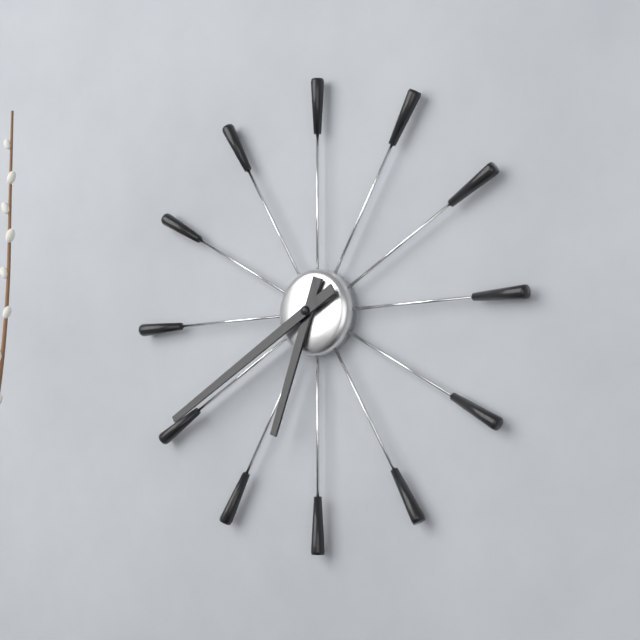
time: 6:40
